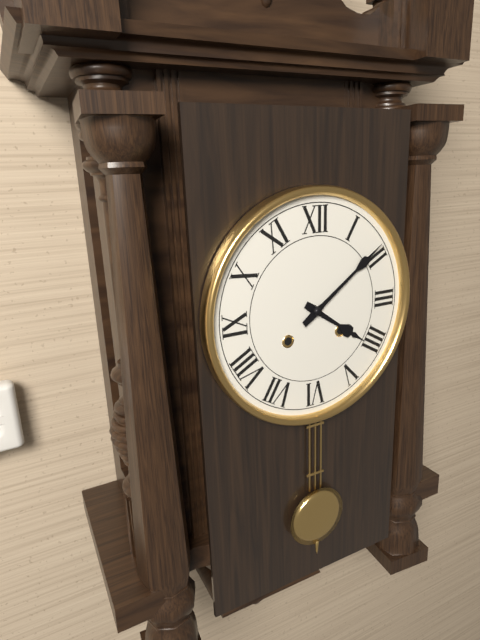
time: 4:09
